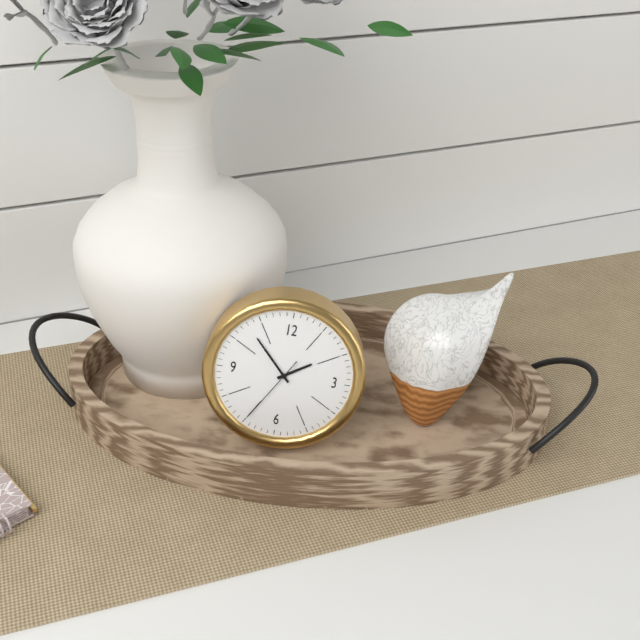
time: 1:53:35
